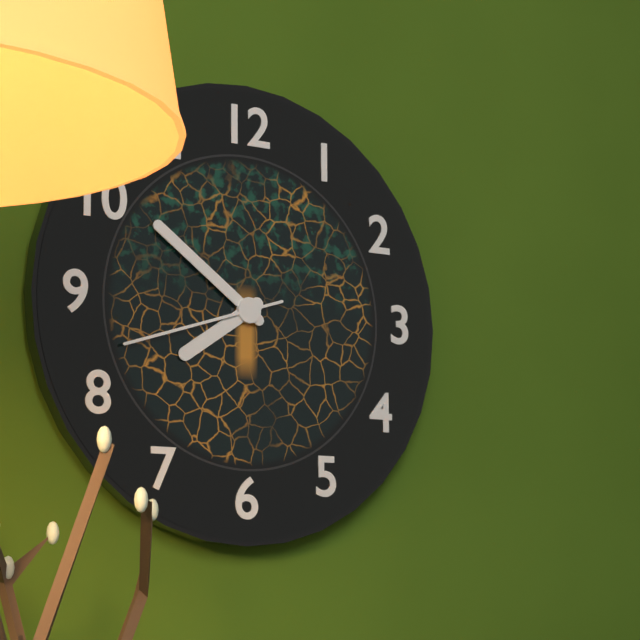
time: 7:51:42
